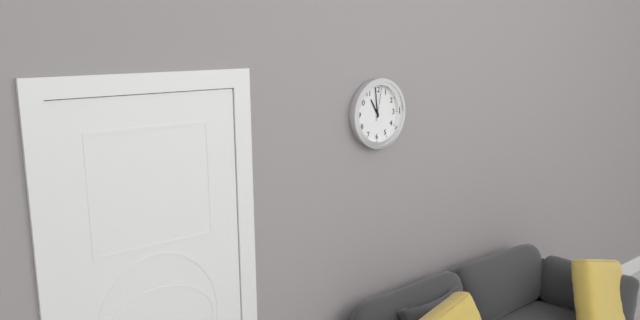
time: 10:59
